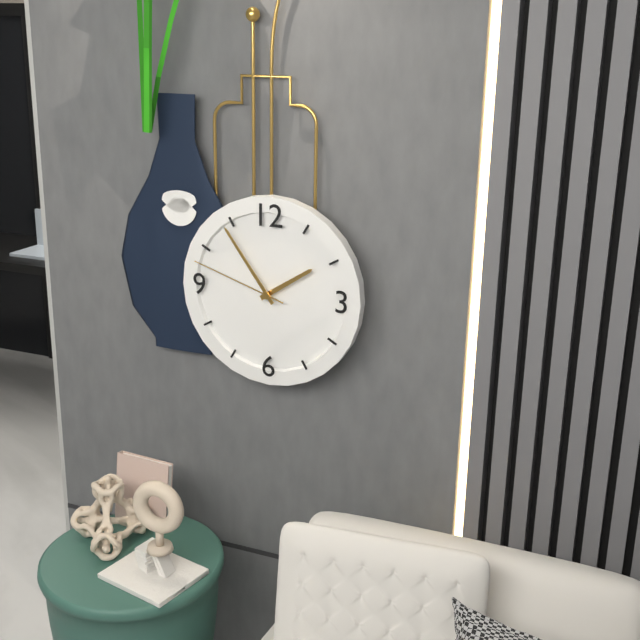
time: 1:54:48
